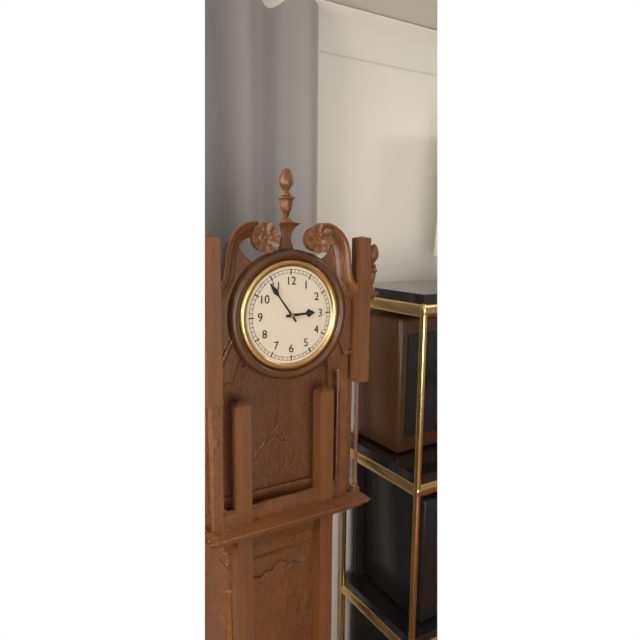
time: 2:54
